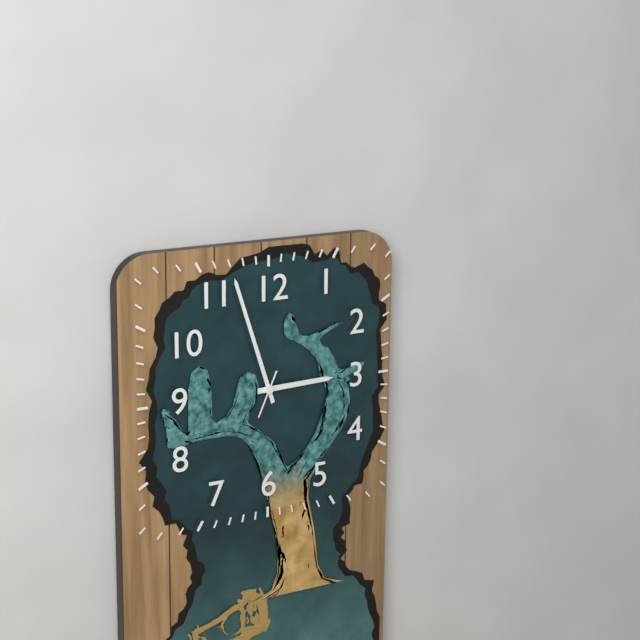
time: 2:57
